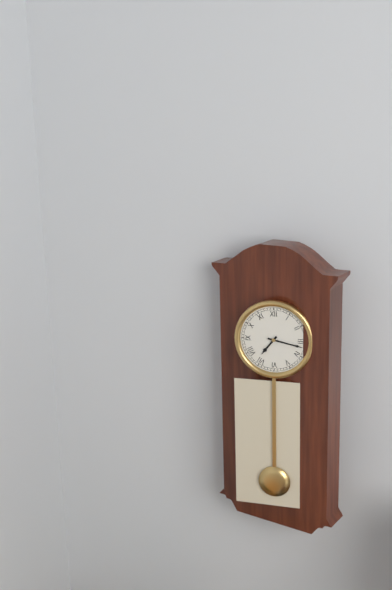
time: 7:17
